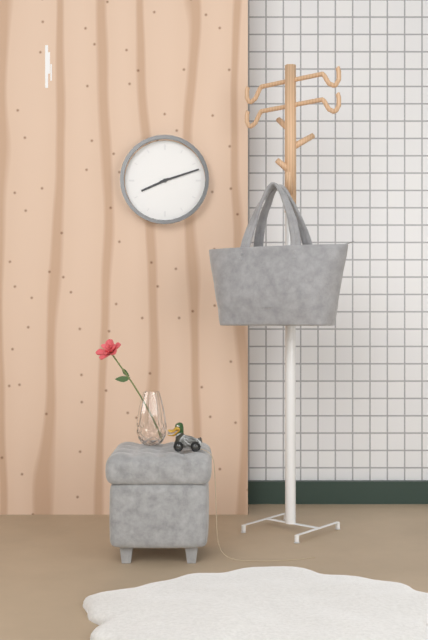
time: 8:12
